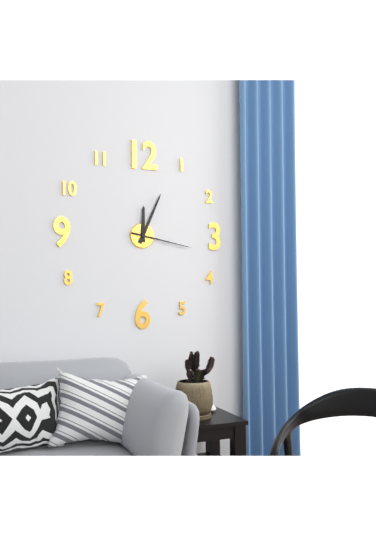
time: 12:04:17
